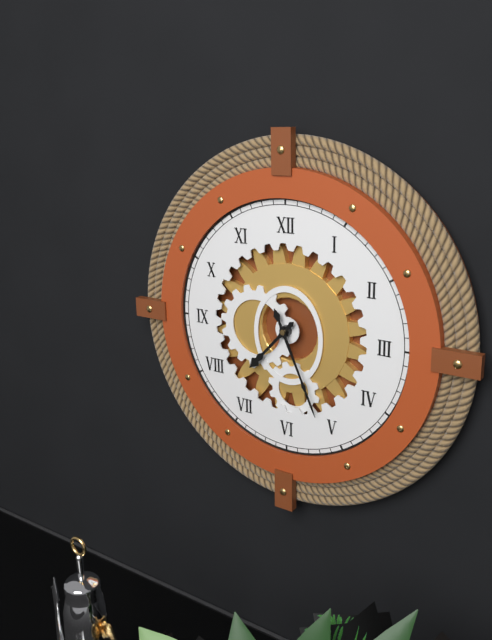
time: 7:26
